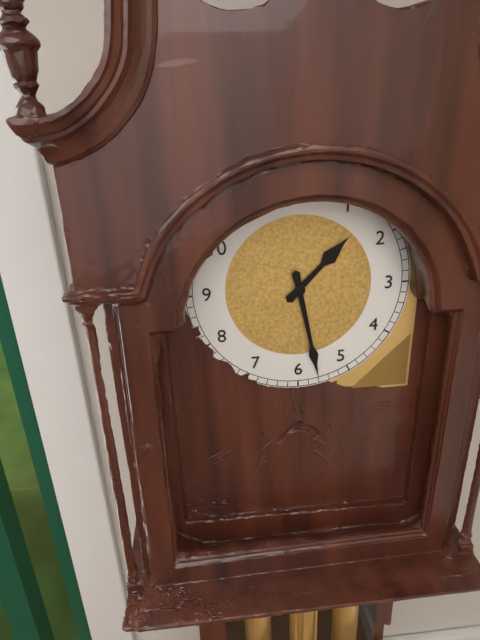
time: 1:28
